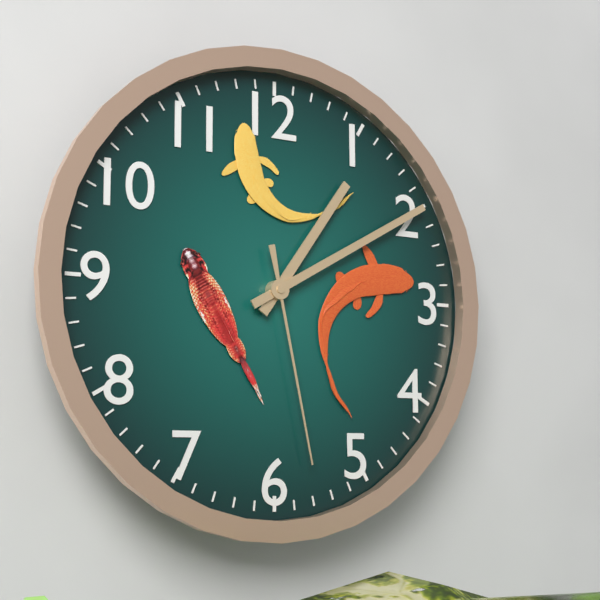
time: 1:10:28
